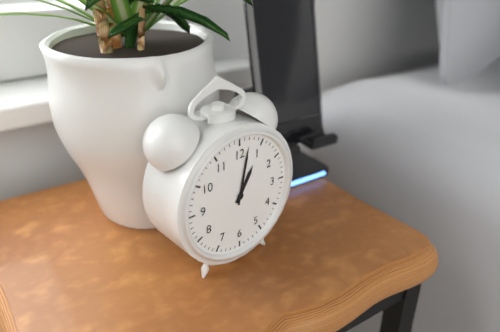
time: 1:02
